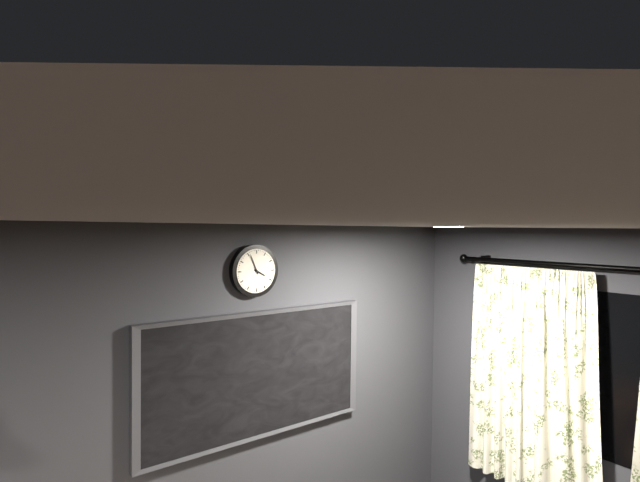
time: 3:56
